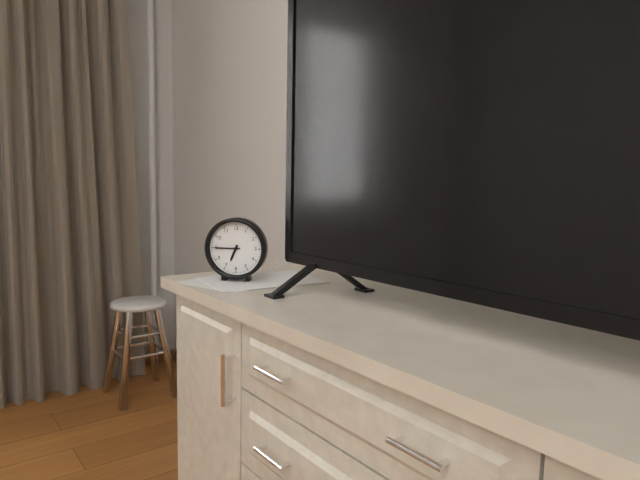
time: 6:45
